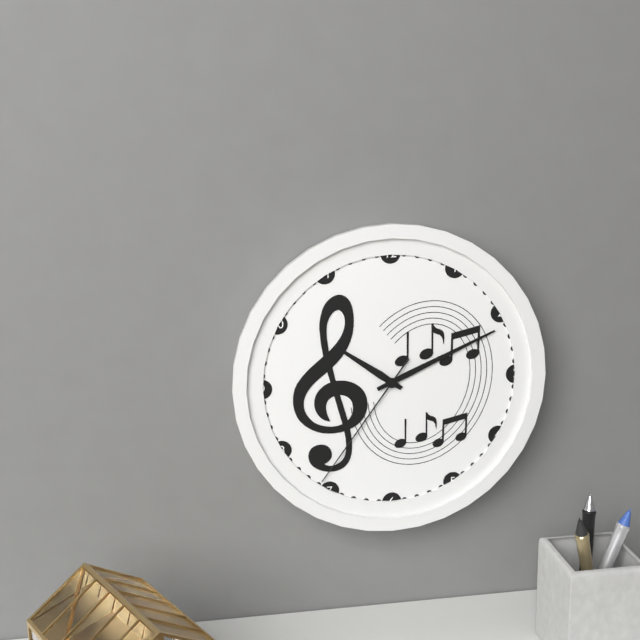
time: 10:11:36
